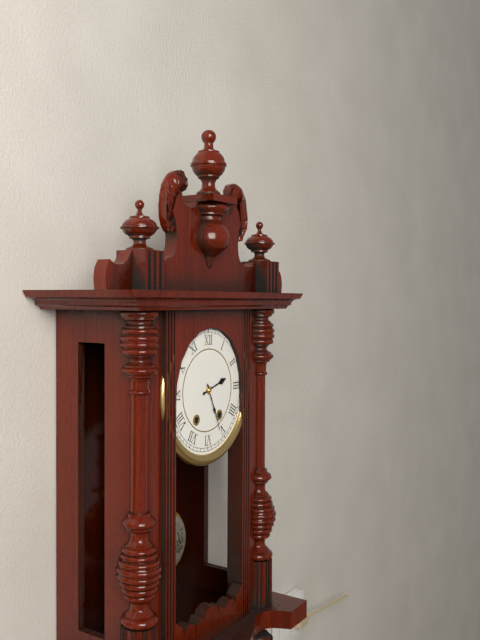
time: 2:26
